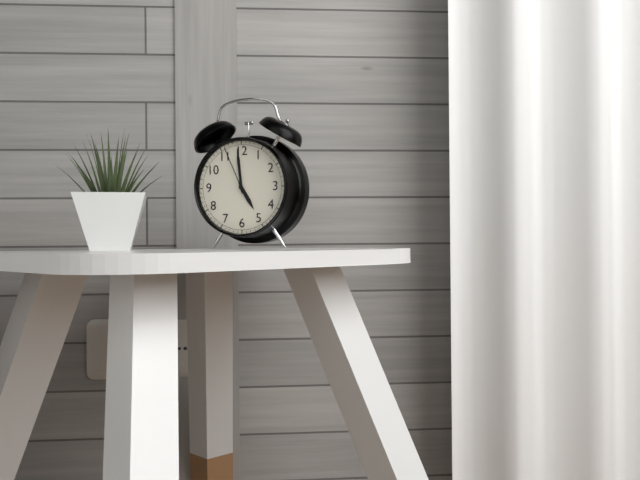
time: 4:59:56
